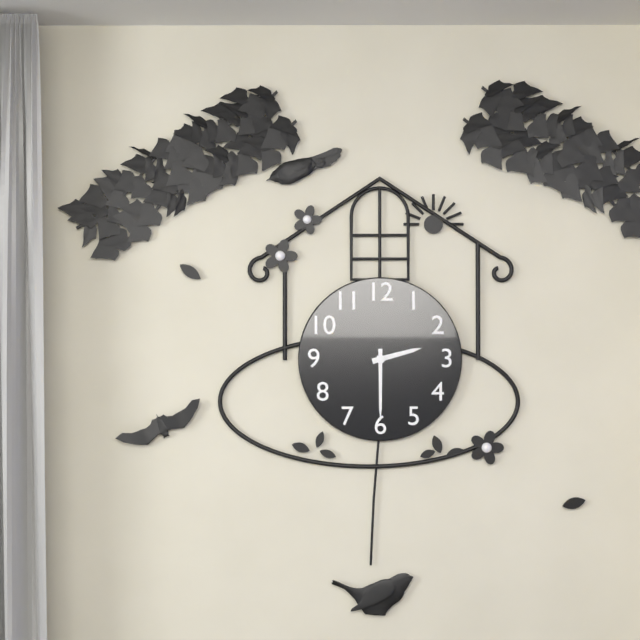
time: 2:30
